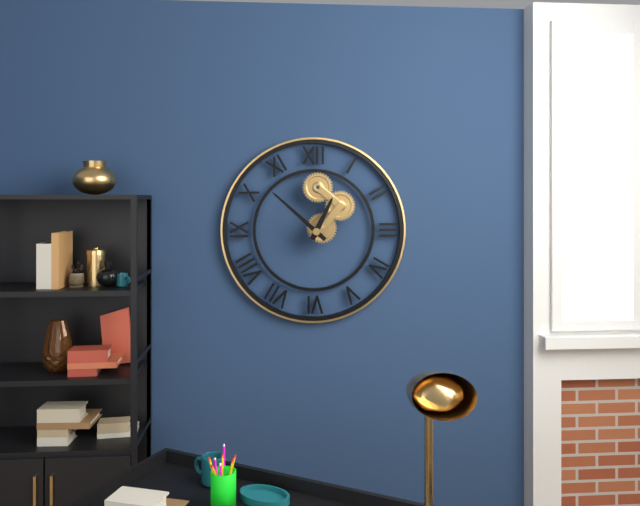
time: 12:52
